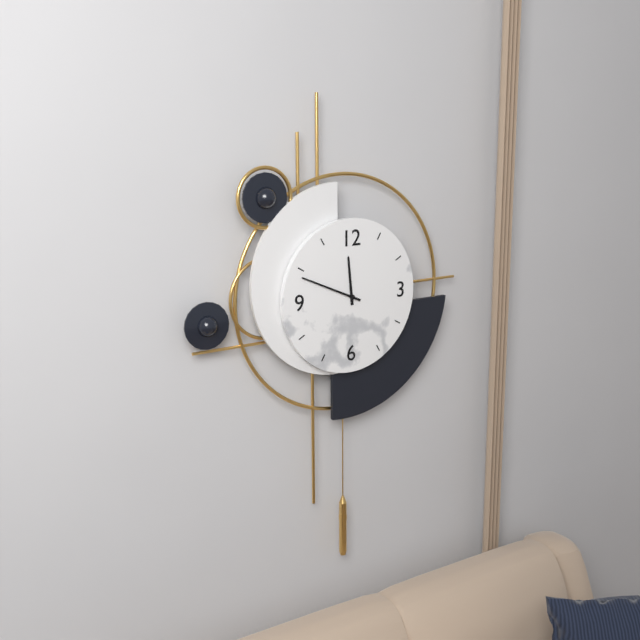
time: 11:49
